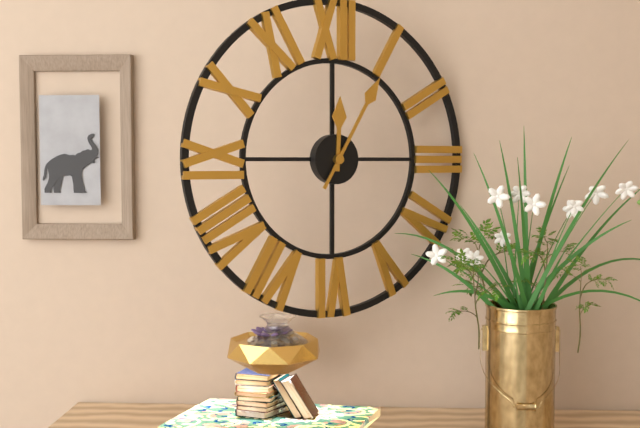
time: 12:05
